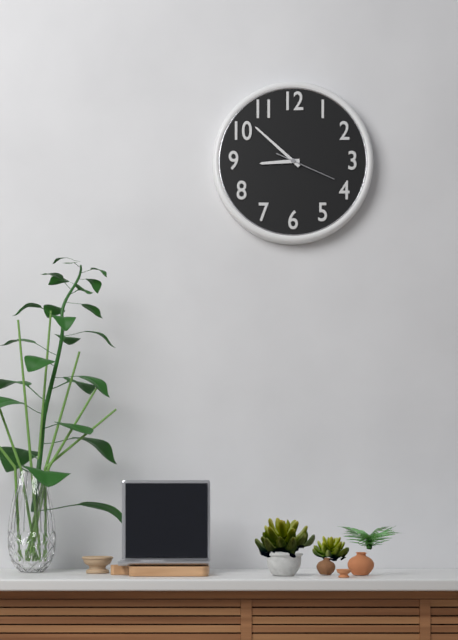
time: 8:52:19
